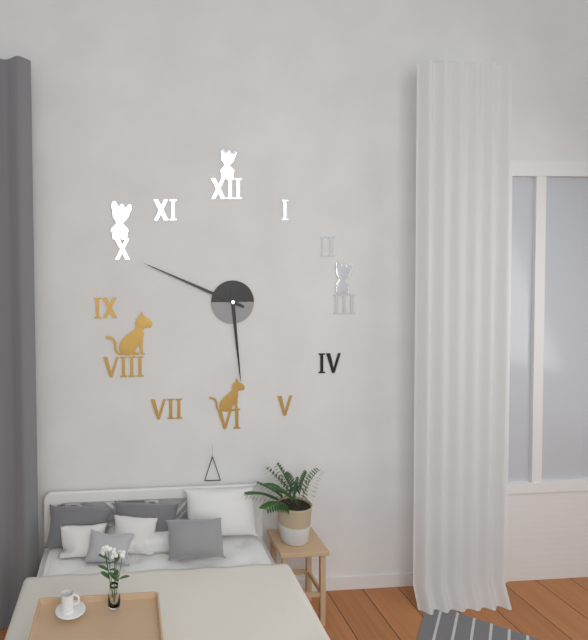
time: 5:49
